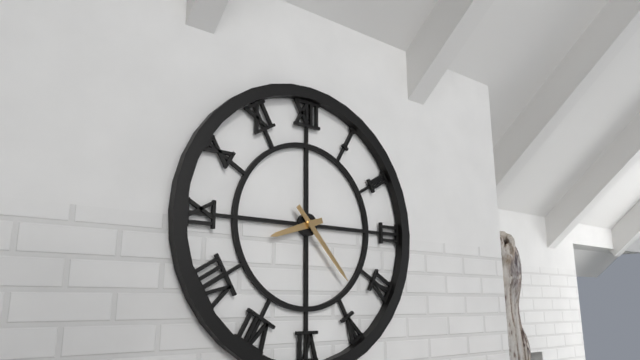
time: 8:23
